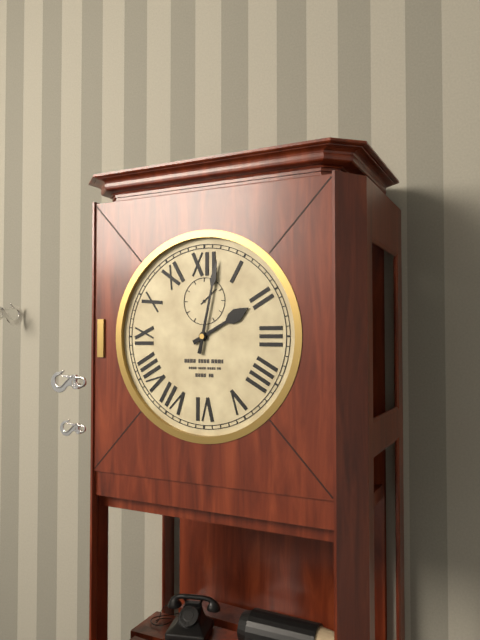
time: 2:02
